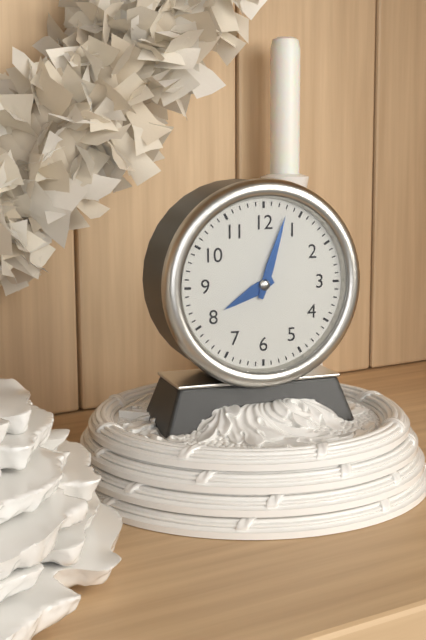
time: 8:03
